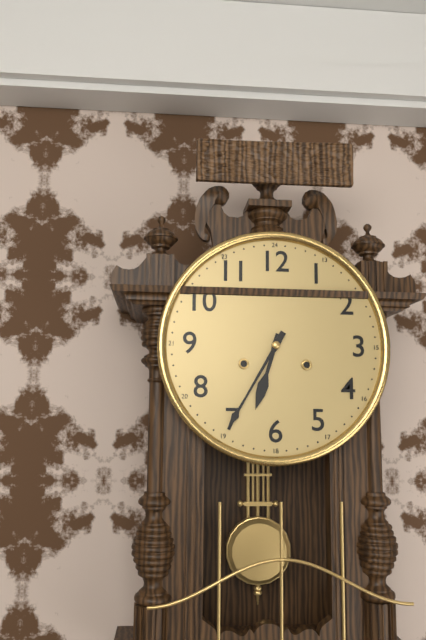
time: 6:35
